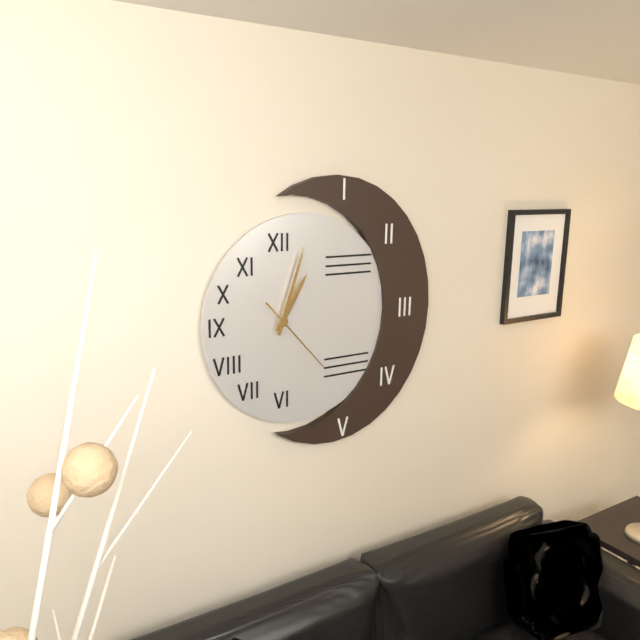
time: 1:03:23
